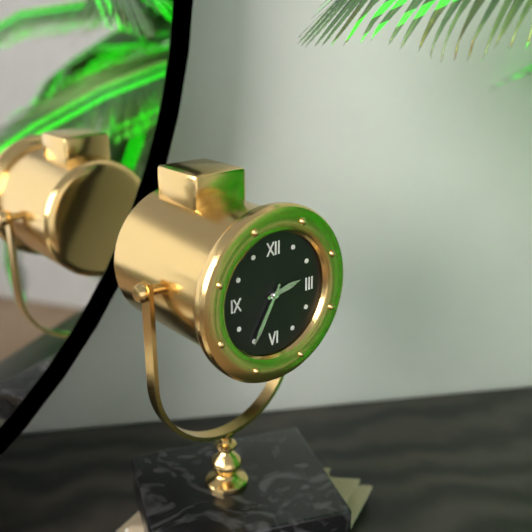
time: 2:35
